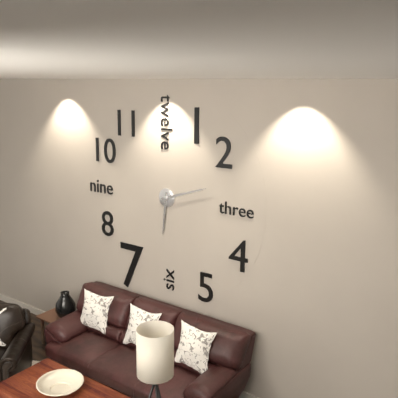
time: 6:12
